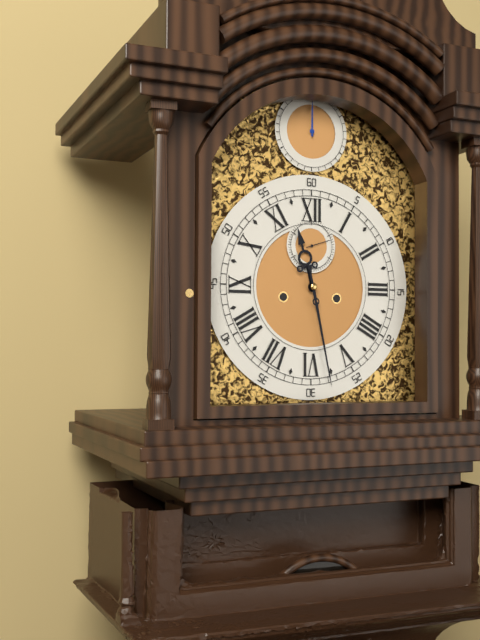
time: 11:28
